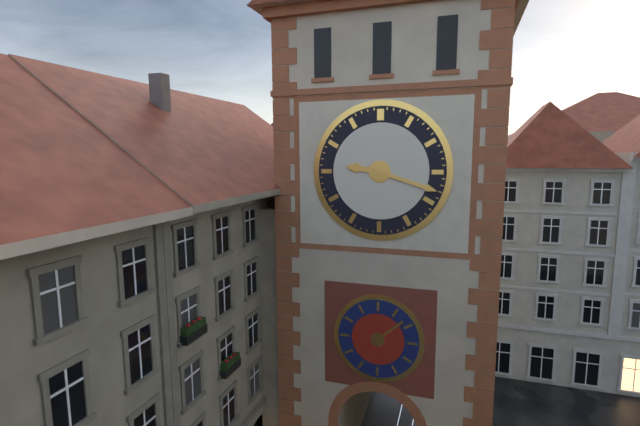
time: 9:18
